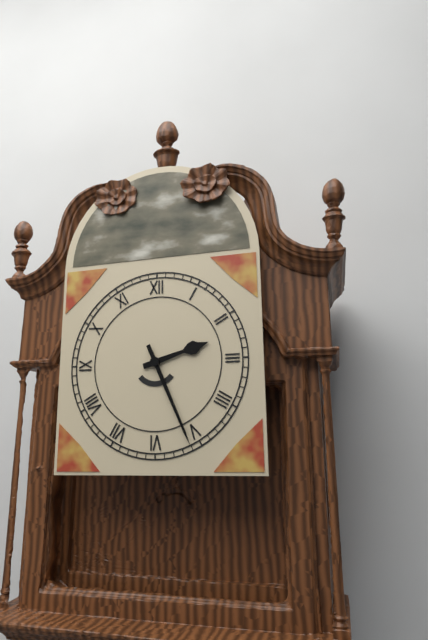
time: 2:26
